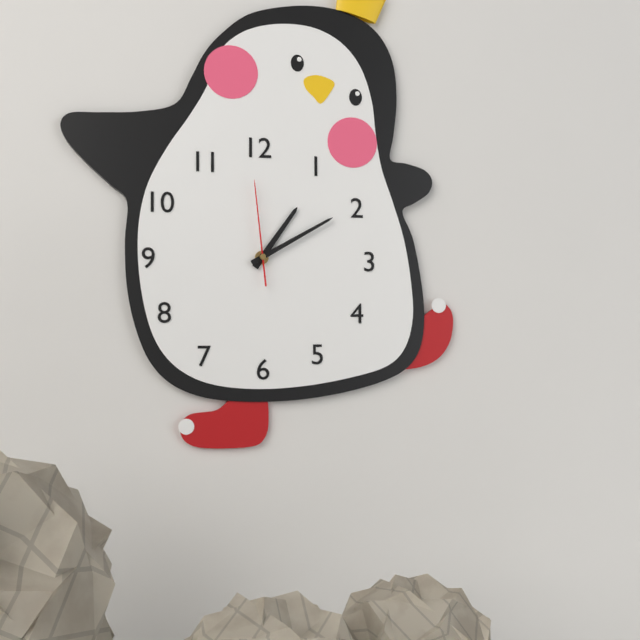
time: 1:10:59
